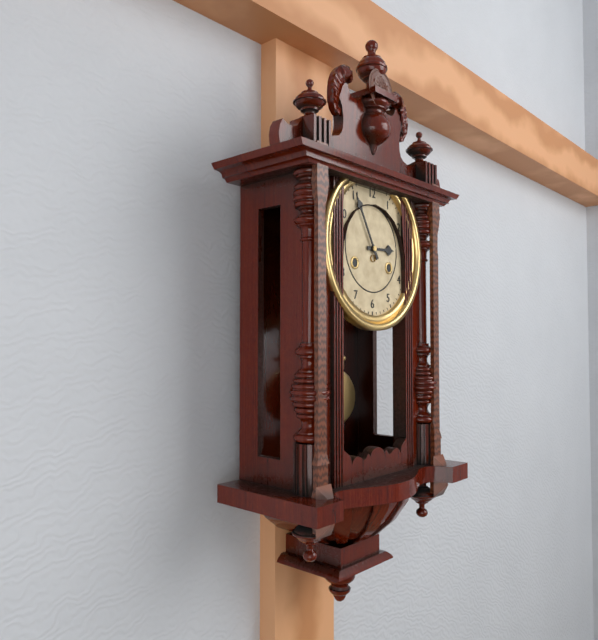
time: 2:55
